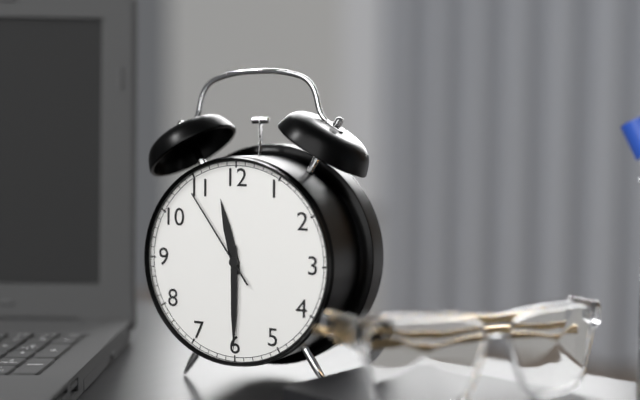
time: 11:30:54
